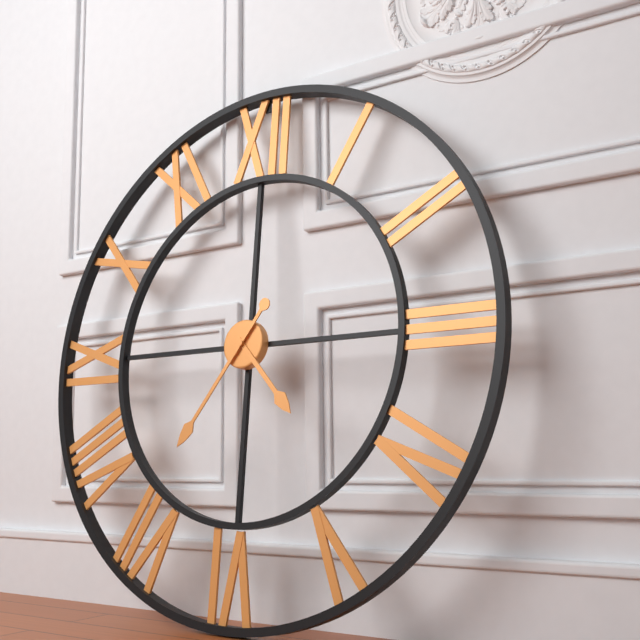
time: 4:36
